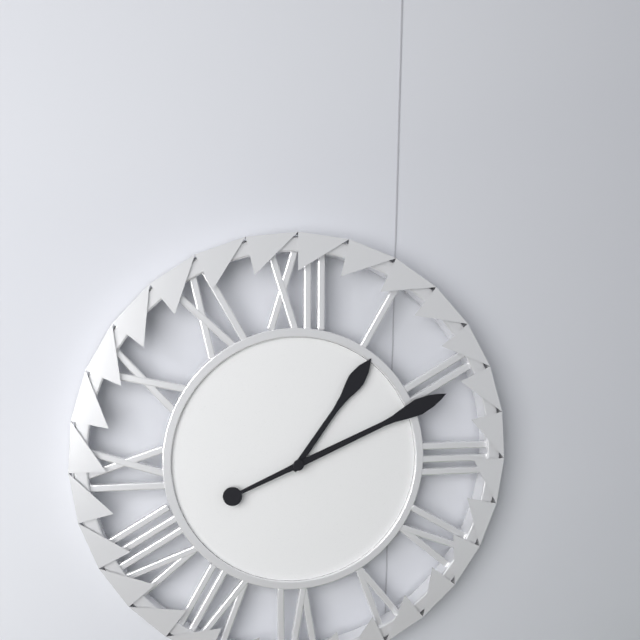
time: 1:11
